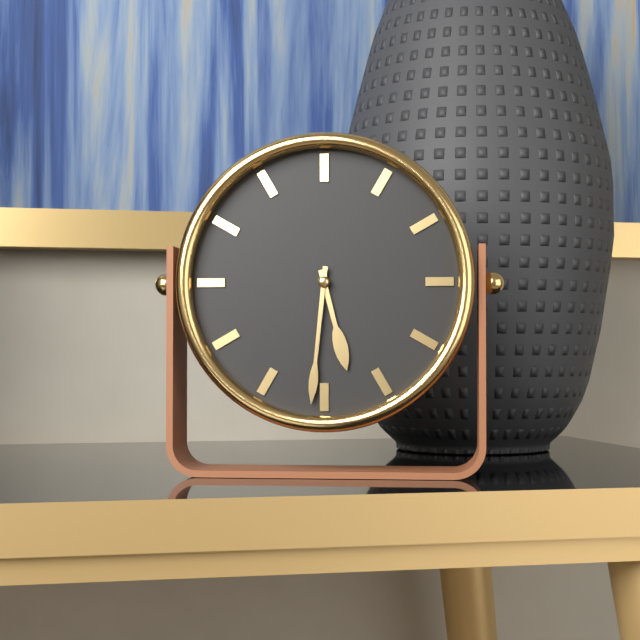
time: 5:31
